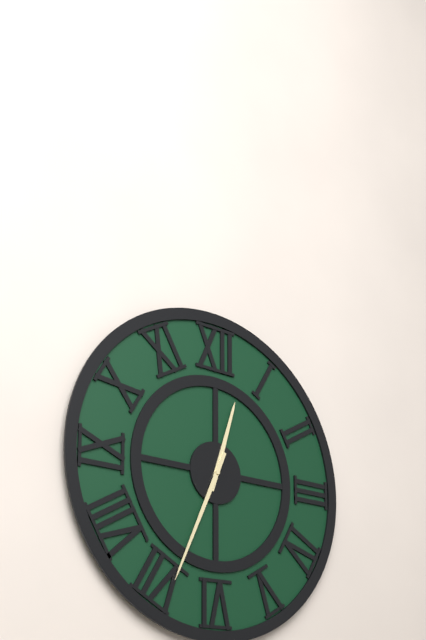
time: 12:34
